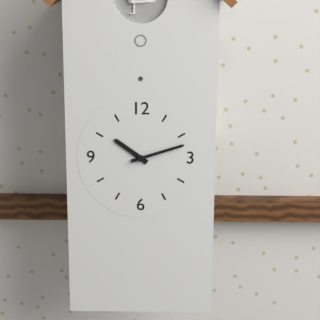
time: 10:12
